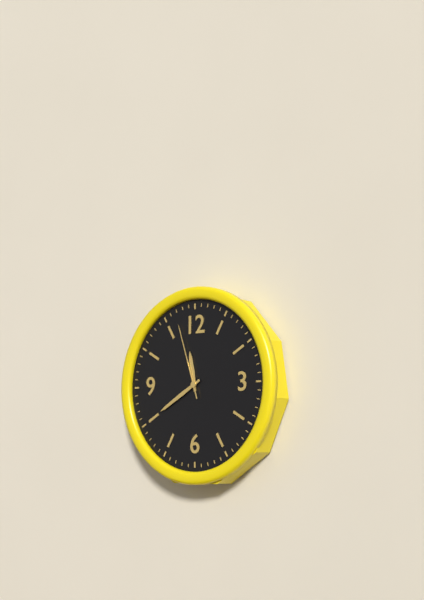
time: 11:40:57
